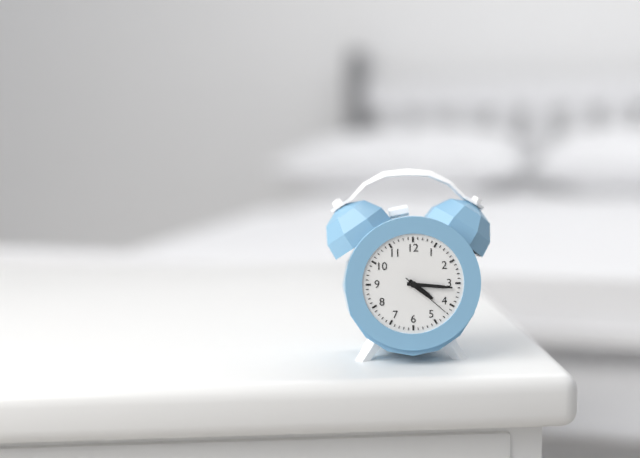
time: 4:16:22
